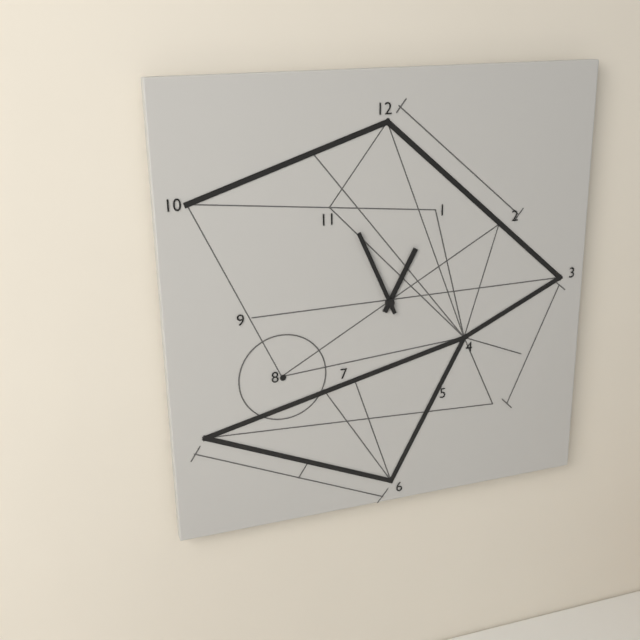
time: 12:56
